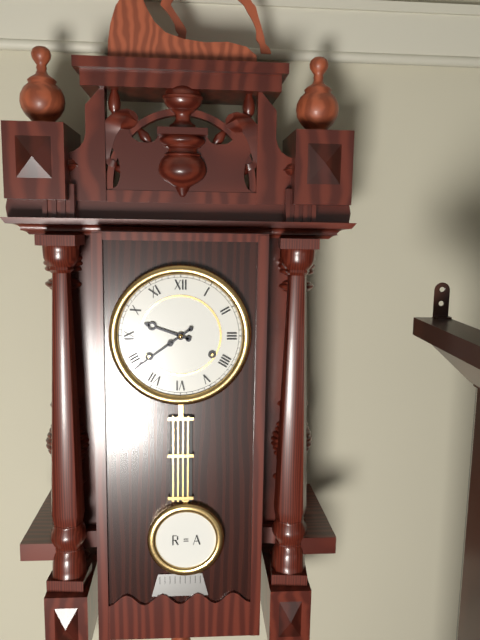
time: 9:39
